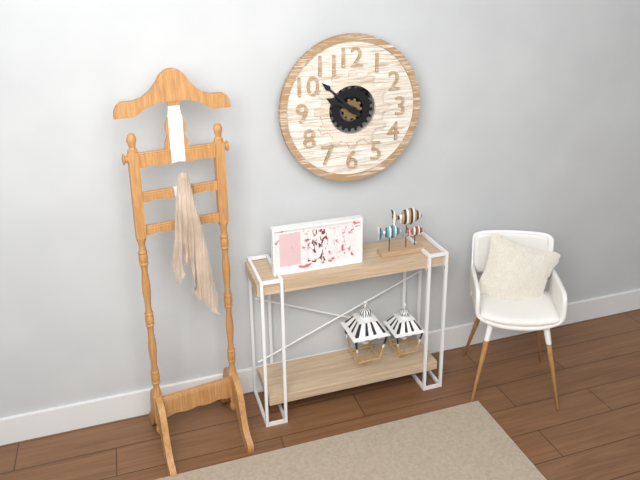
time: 9:52
